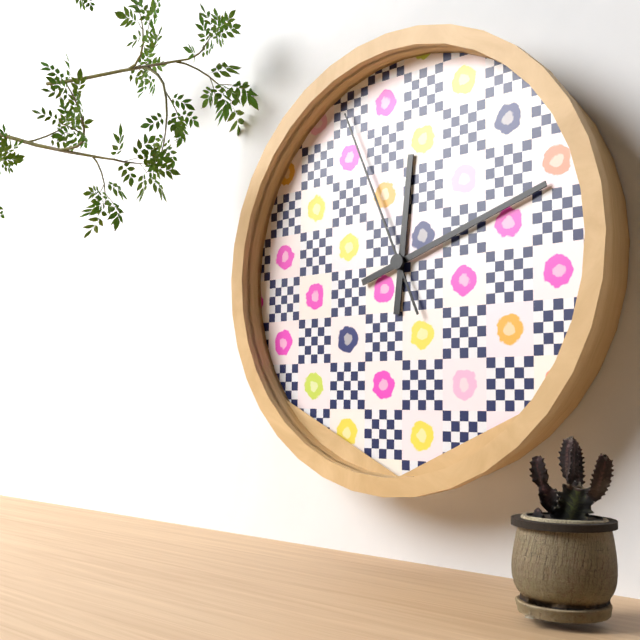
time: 12:12:56
